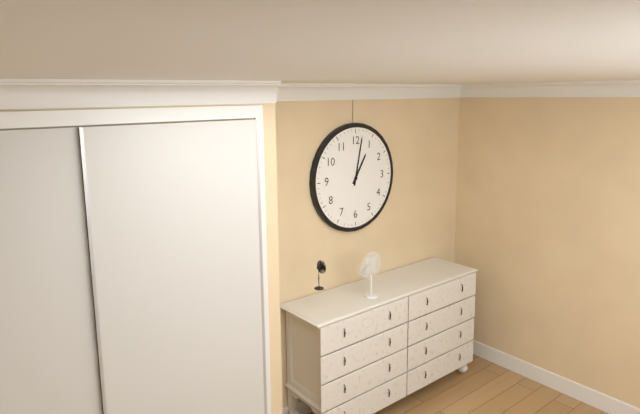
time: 1:02
